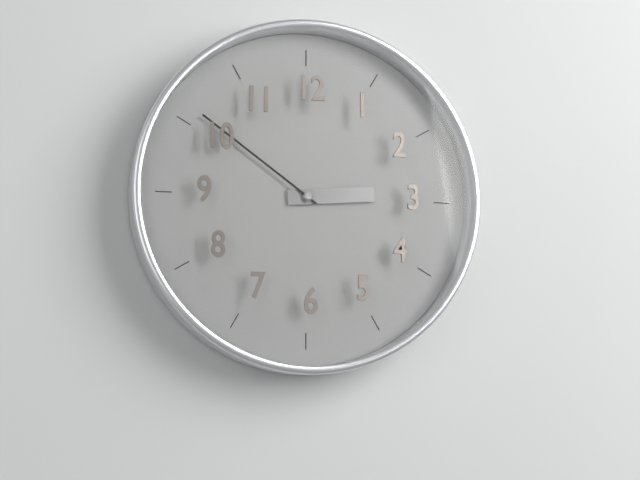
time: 2:51
